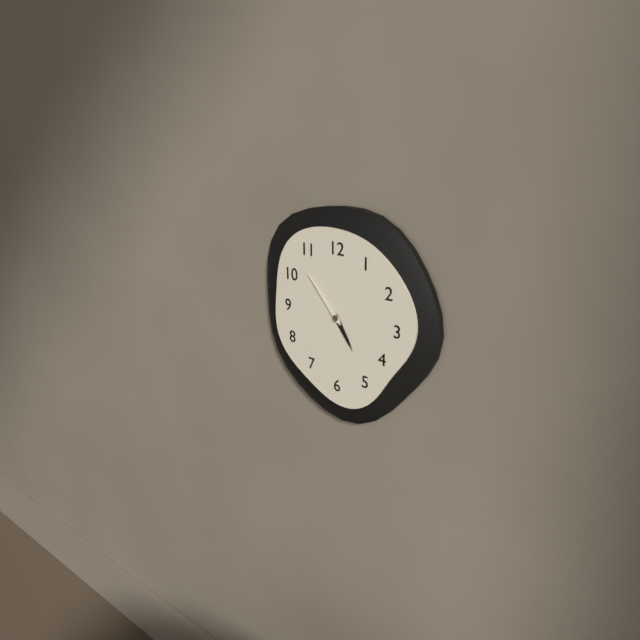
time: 4:53
